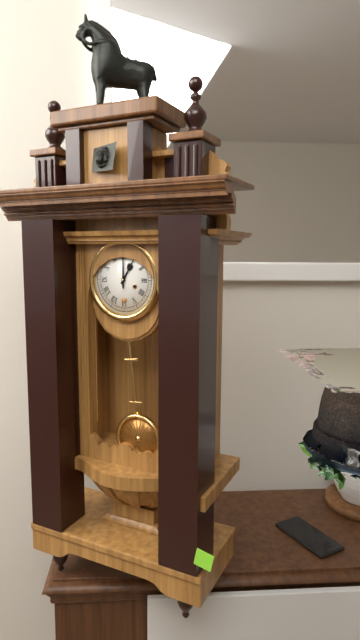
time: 1:00
